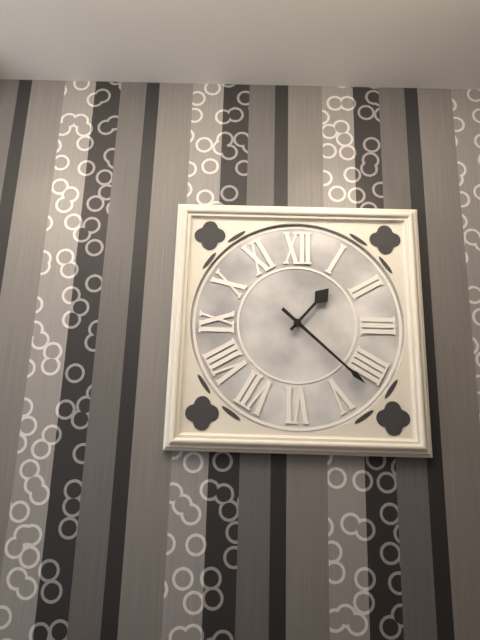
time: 1:22
